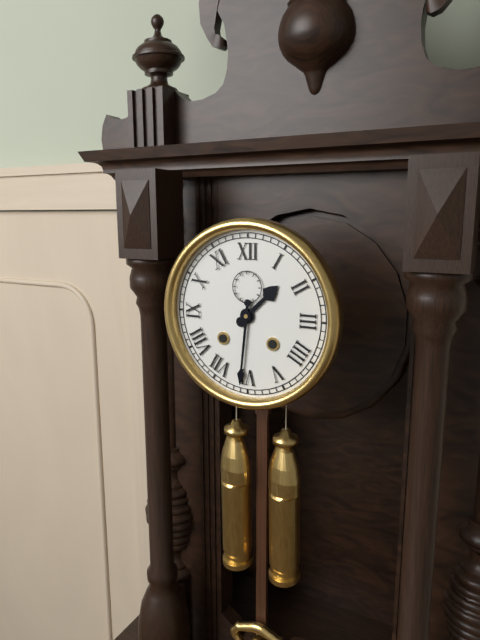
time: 1:31
